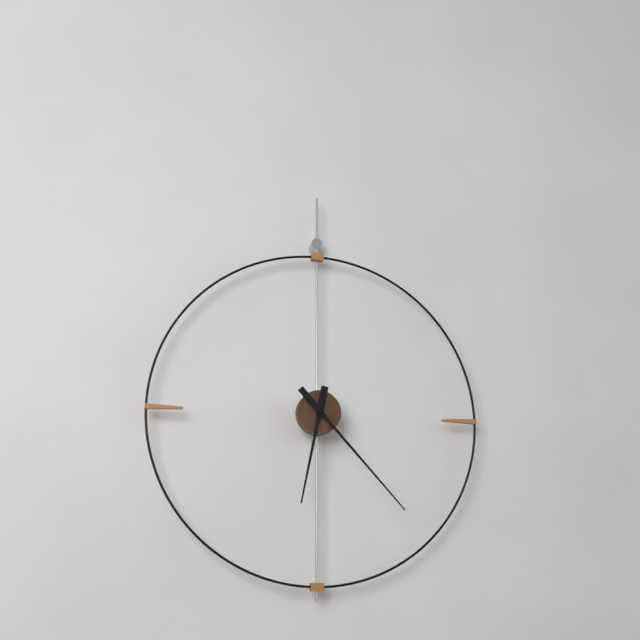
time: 6:23
